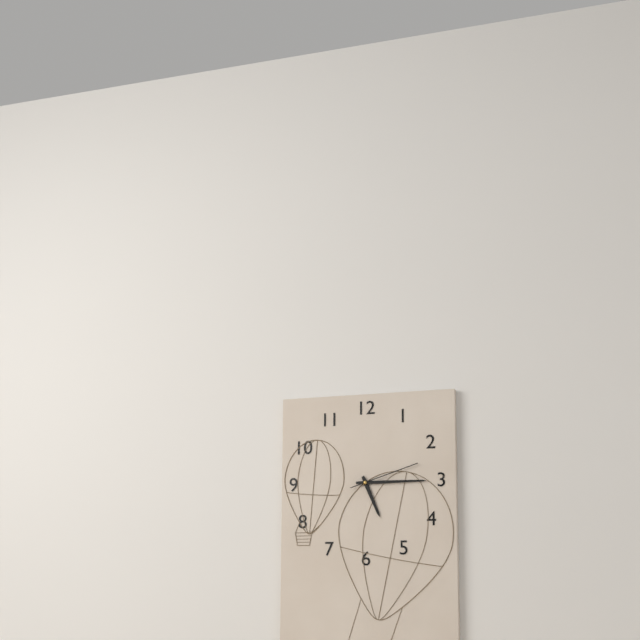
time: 5:15:12
